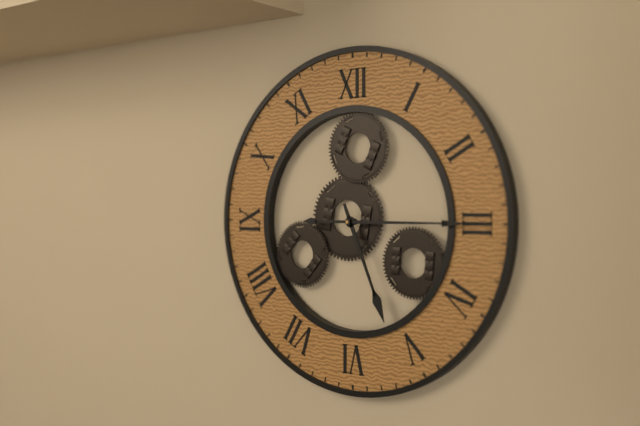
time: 5:15
